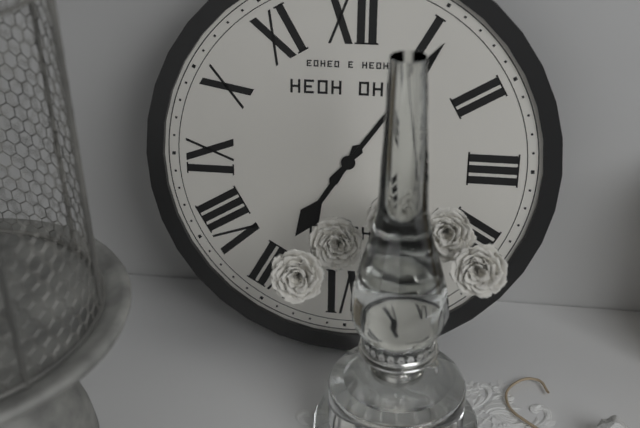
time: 7:06
